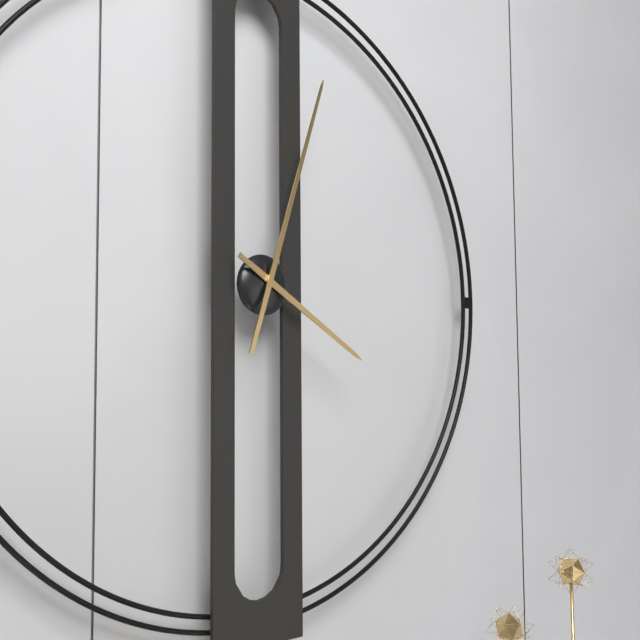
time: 4:03
